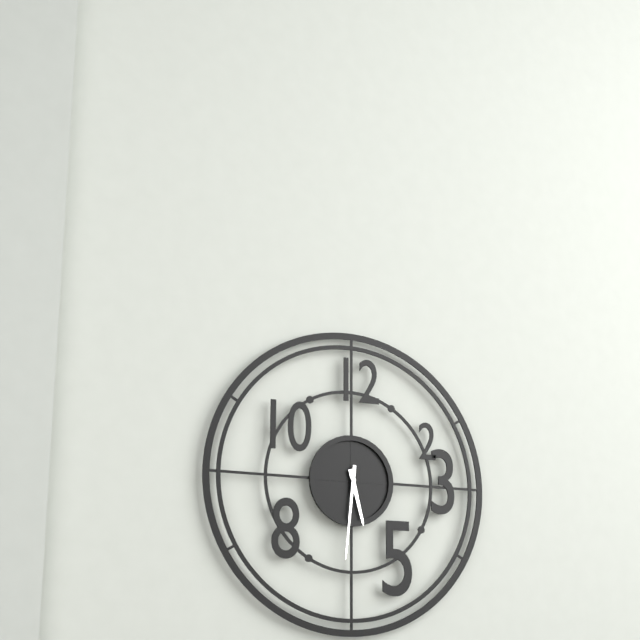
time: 5:31
